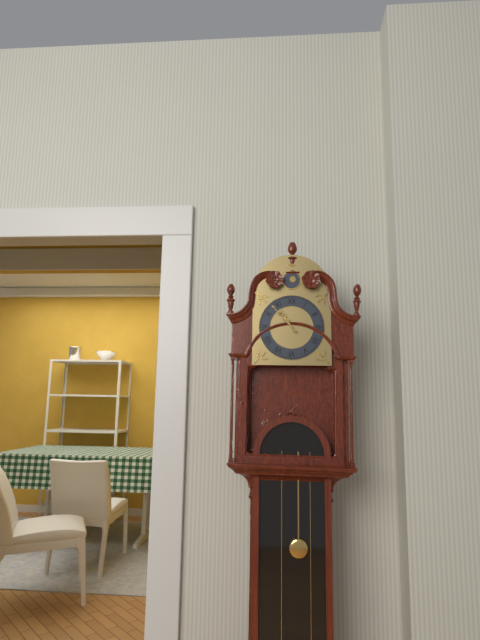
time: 10:53
